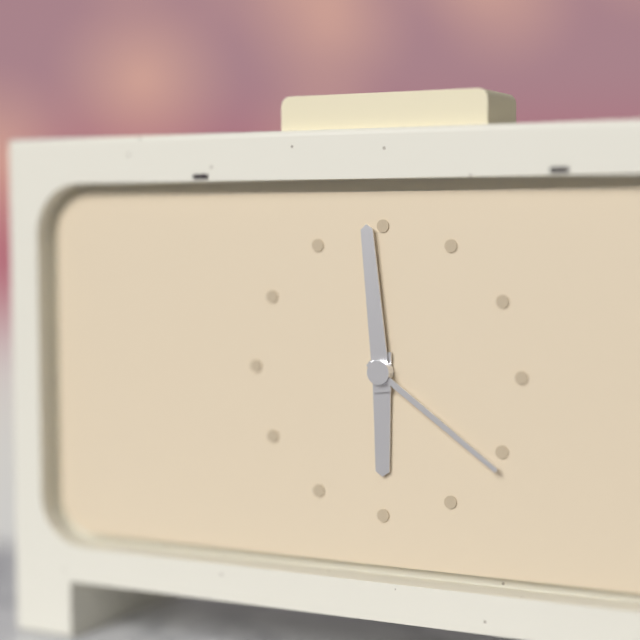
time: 5:59:21
